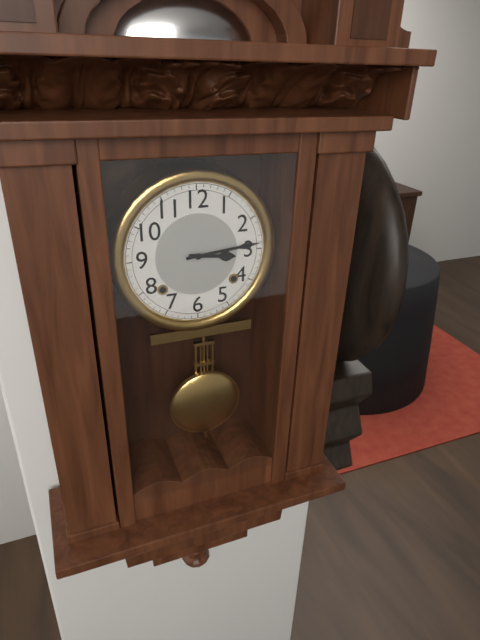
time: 3:14
